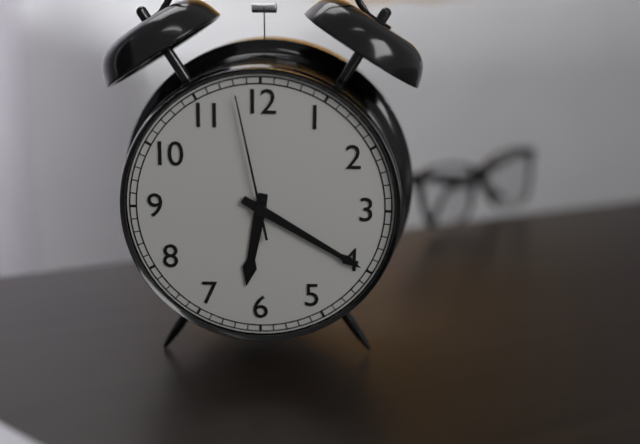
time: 6:20:58
